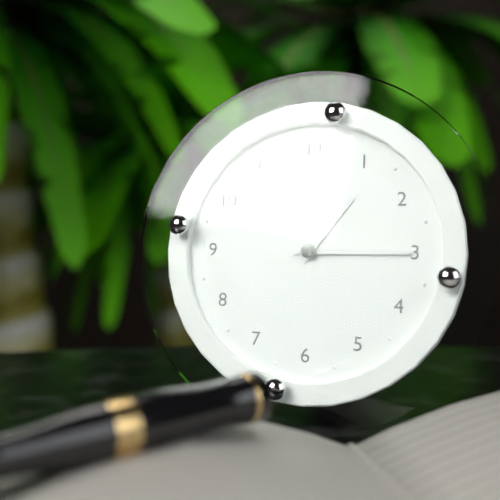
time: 1:15
